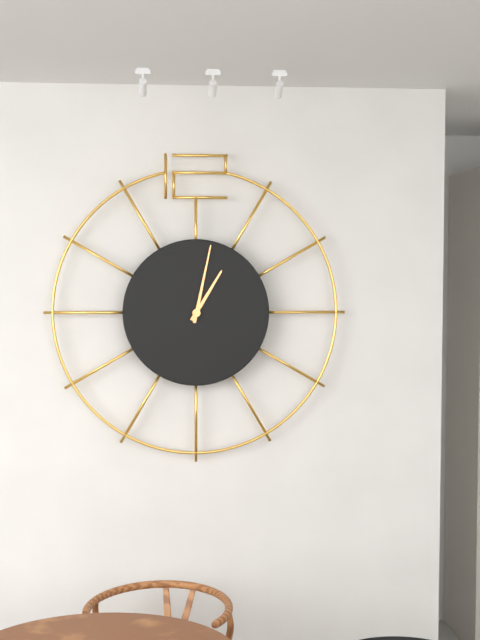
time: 1:02
